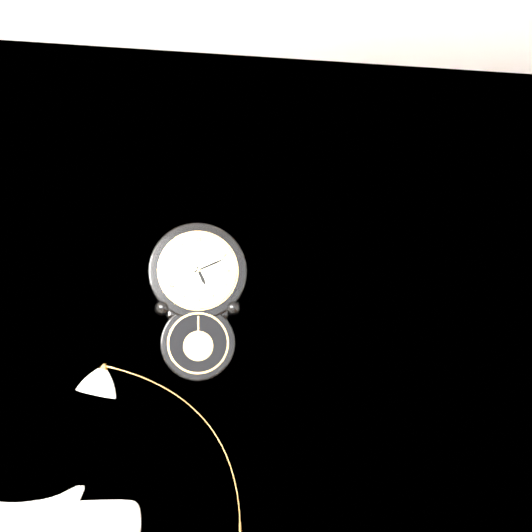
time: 5:11
